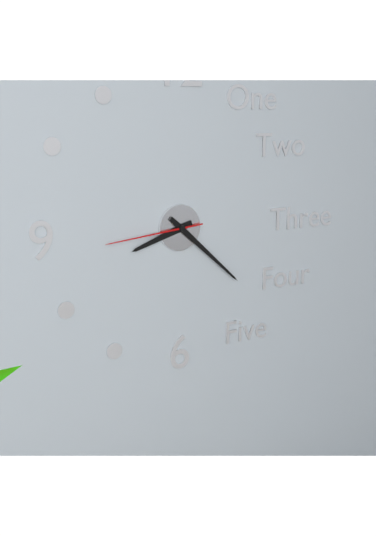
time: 8:22:44
